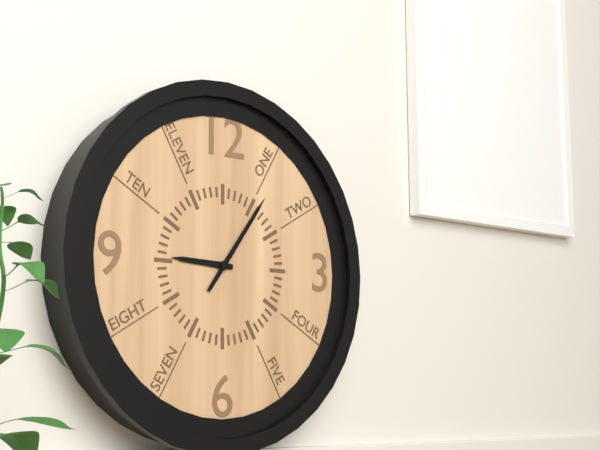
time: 9:06
